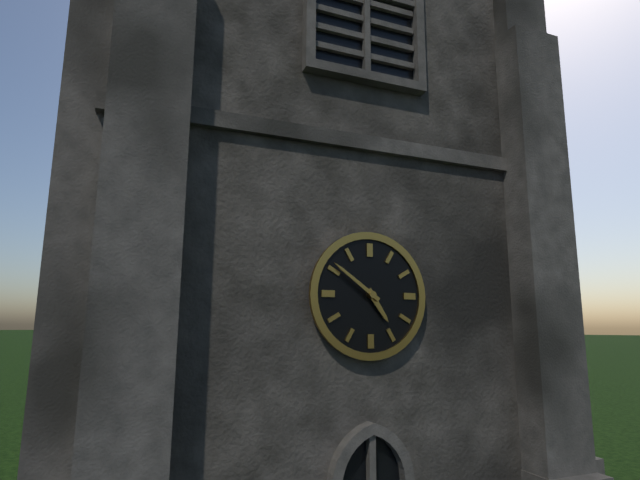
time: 4:51
